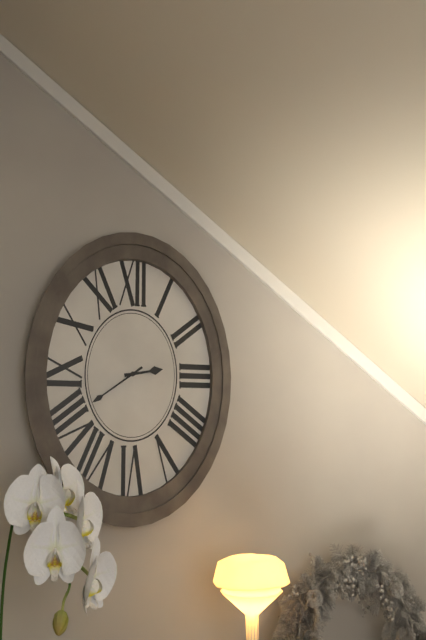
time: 2:39
